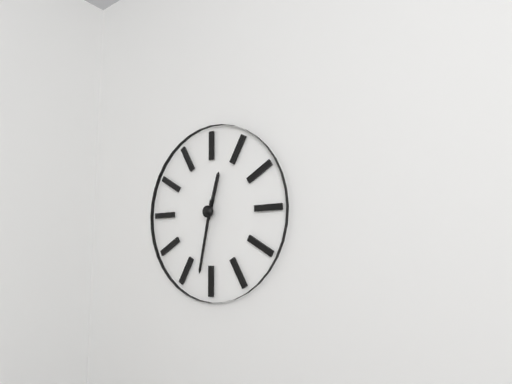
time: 12:32
